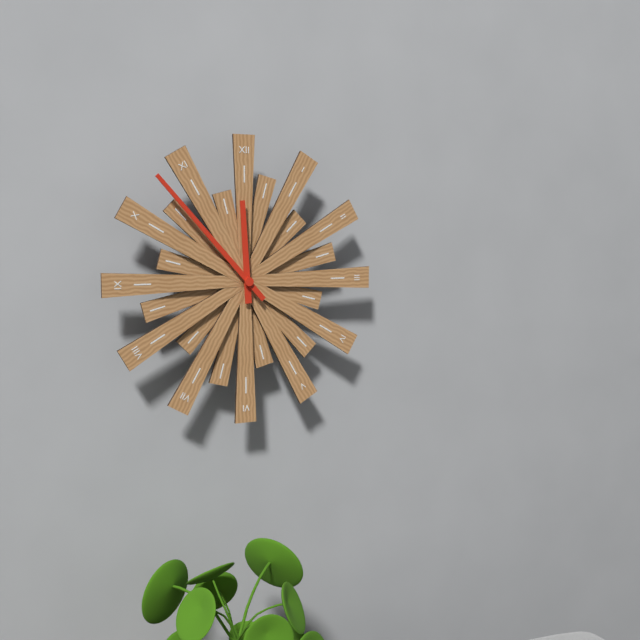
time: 11:53
